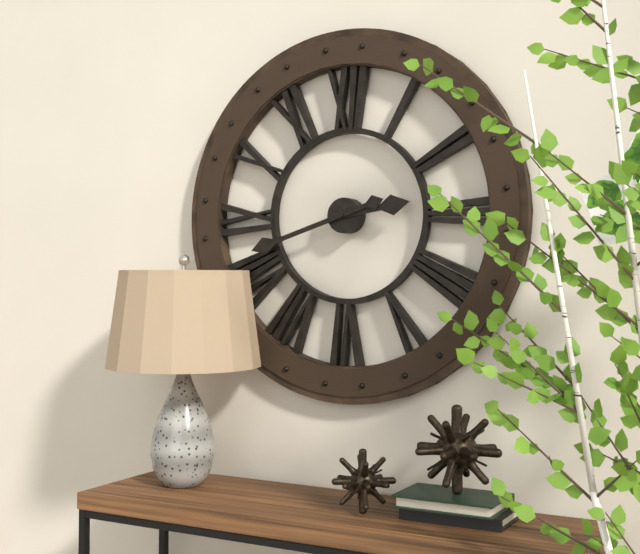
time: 2:42
